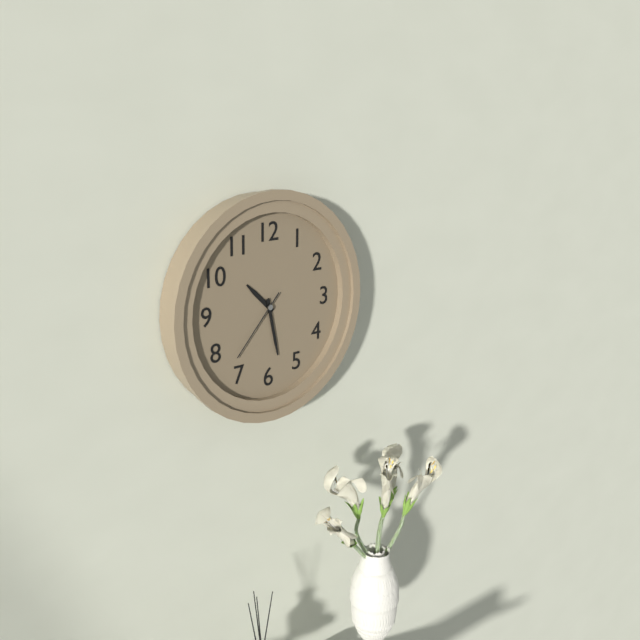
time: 10:28:37
